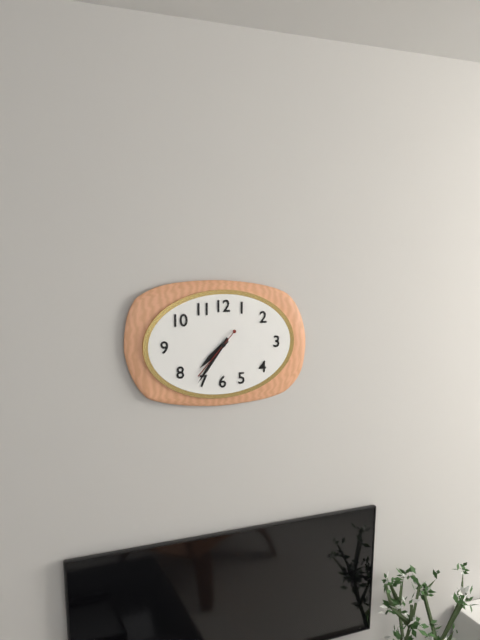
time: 7:36:37
